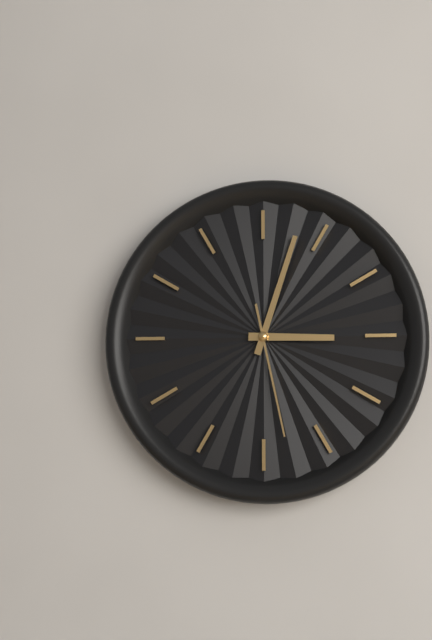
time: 3:03:28
